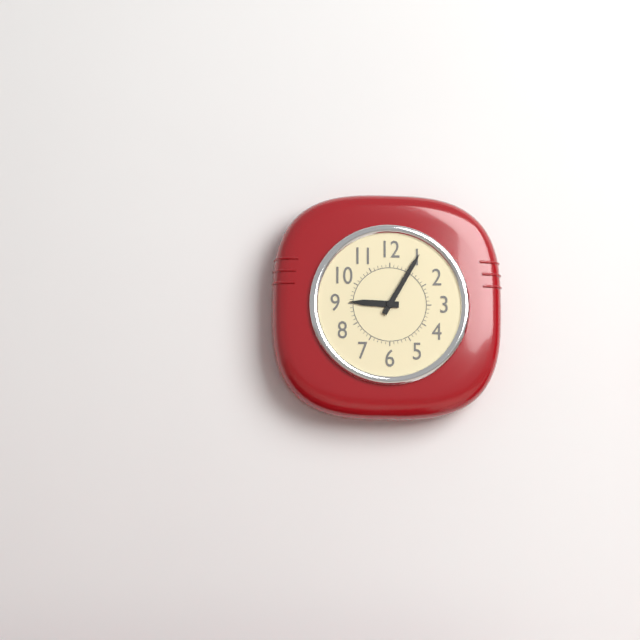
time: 9:05
